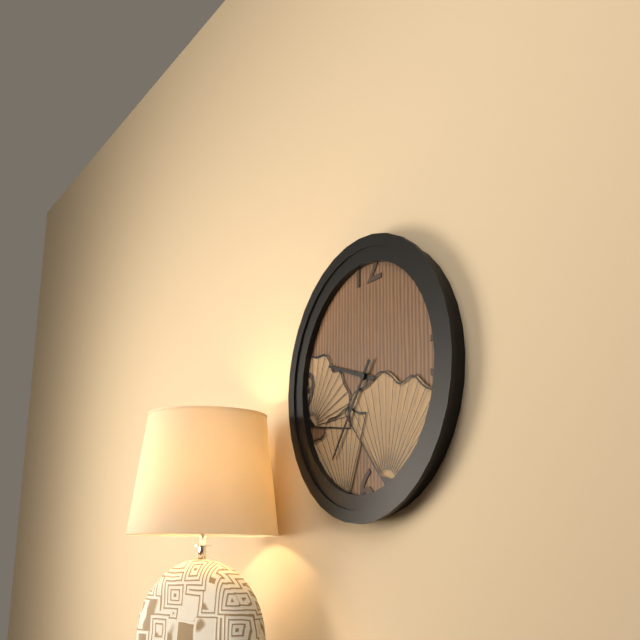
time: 9:36
